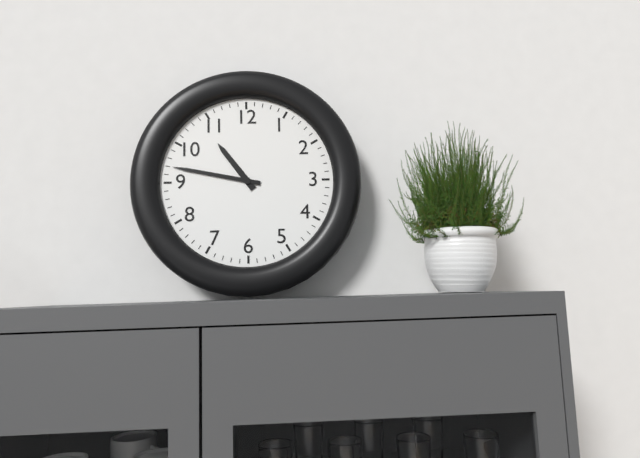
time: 10:47
